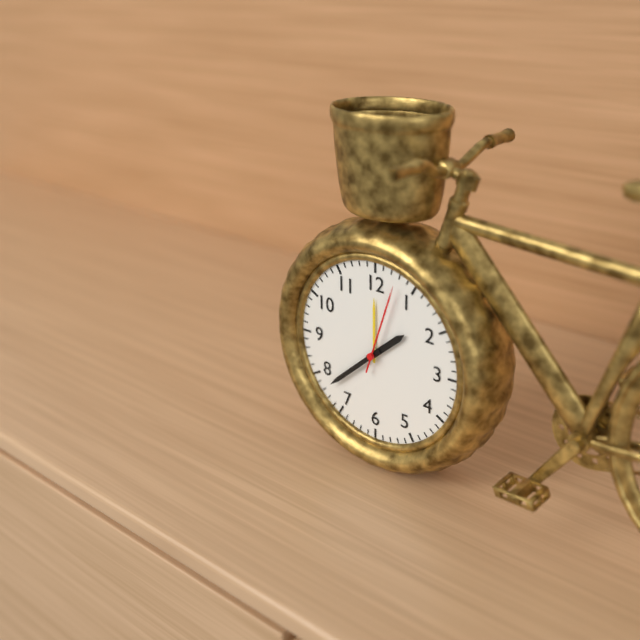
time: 1:38:03
